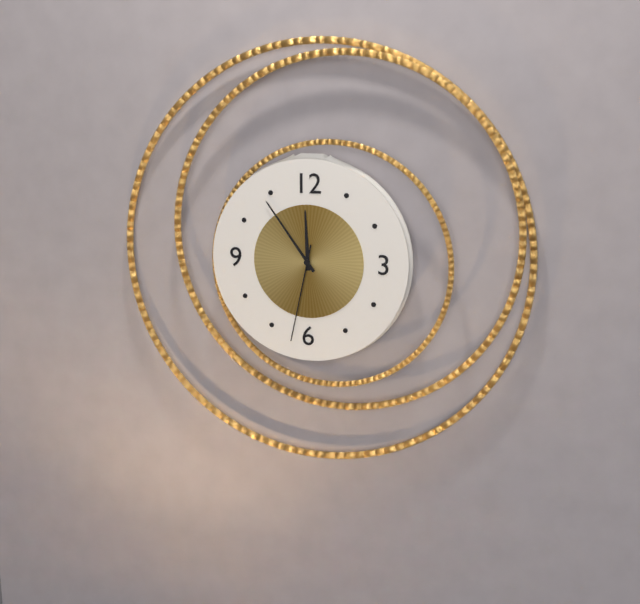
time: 11:54:32
